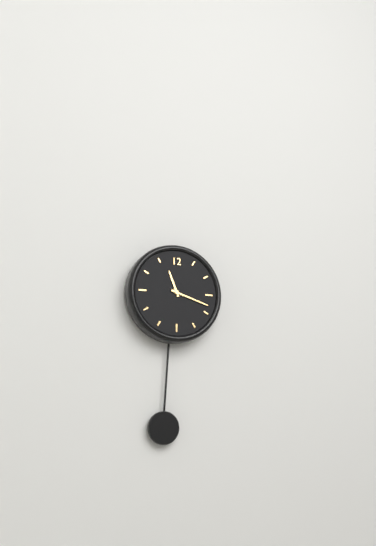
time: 11:18
